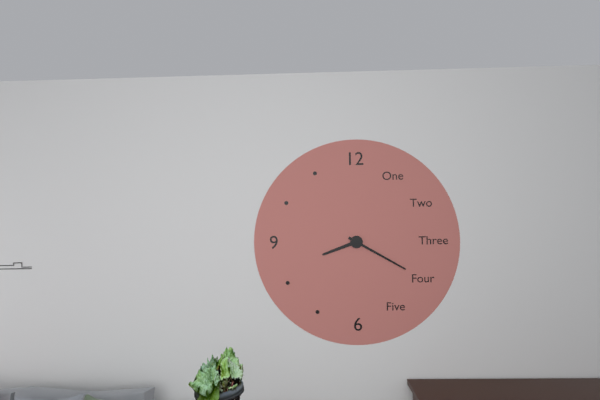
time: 8:20
